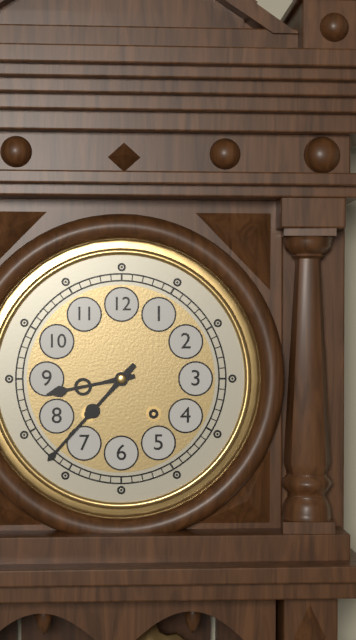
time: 8:37
